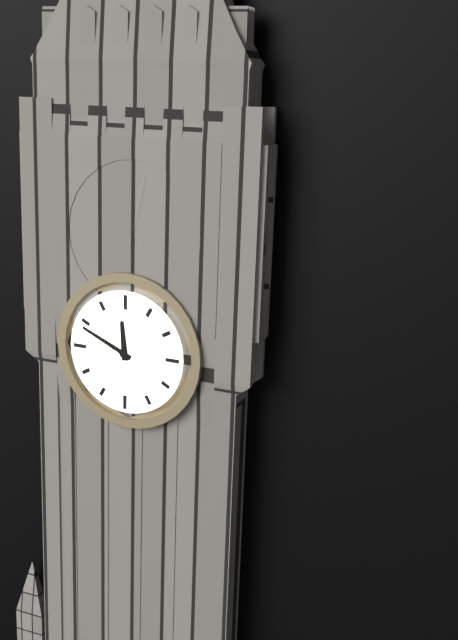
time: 11:49
